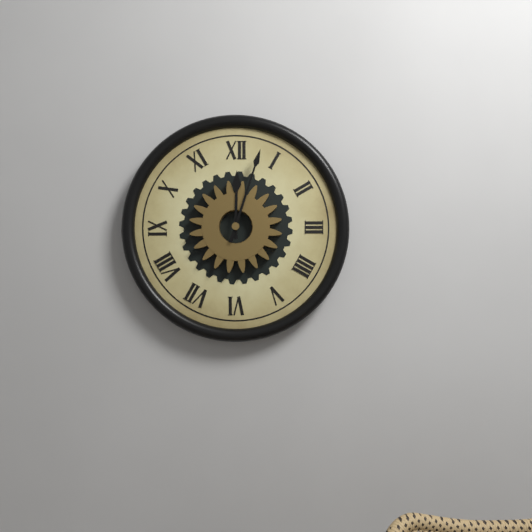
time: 12:03
